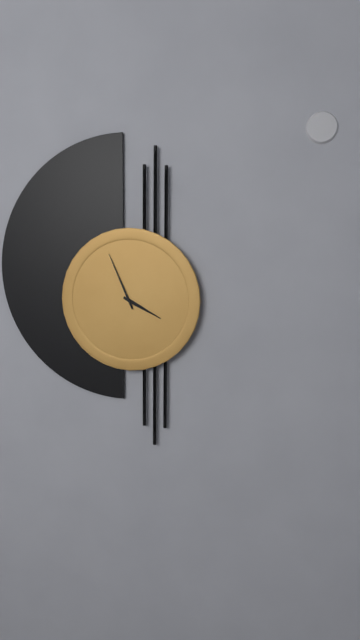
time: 3:56
